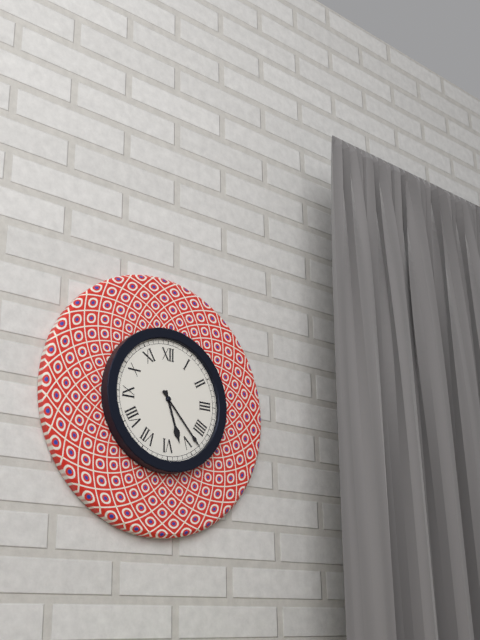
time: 5:23
